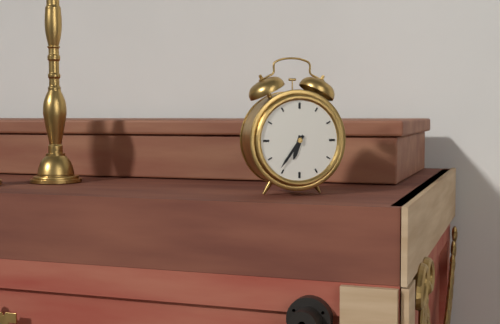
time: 6:36
